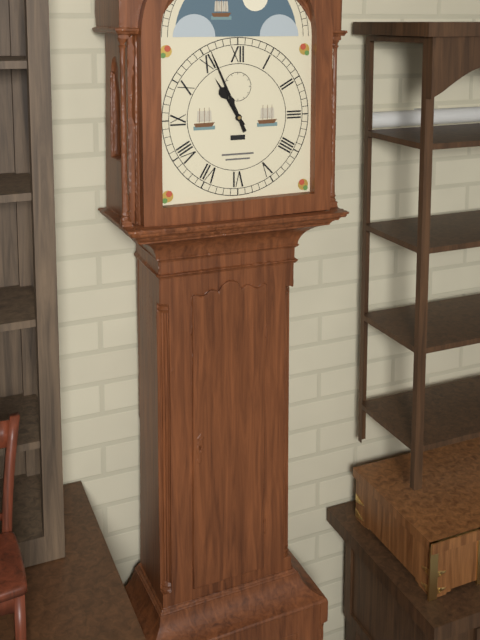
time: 10:56
